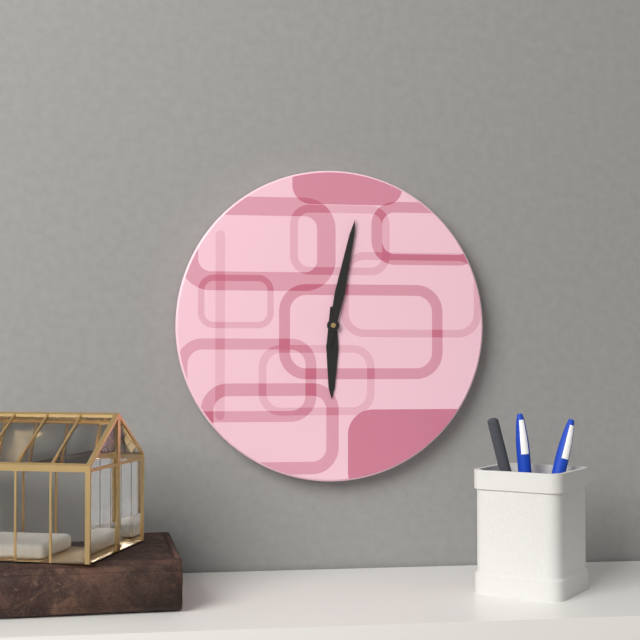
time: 6:02
